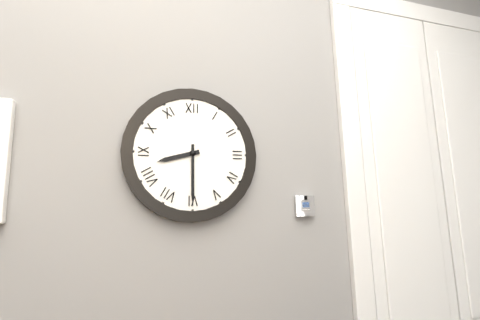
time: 8:30
